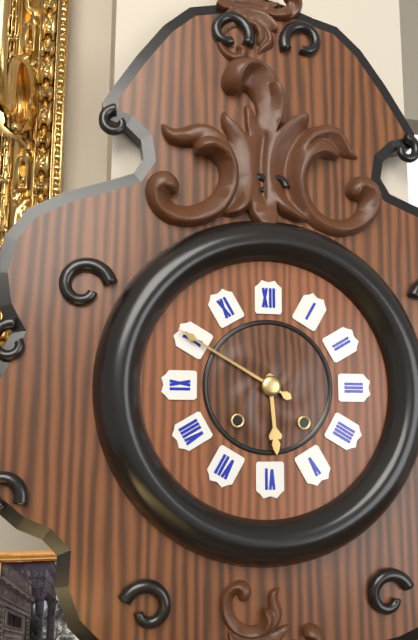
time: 5:50
